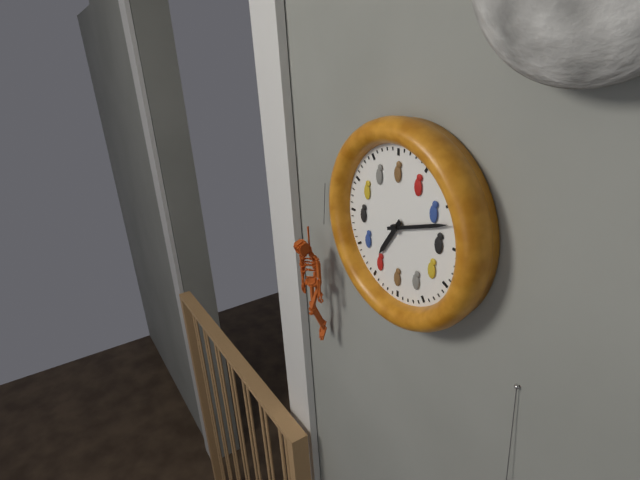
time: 7:12
